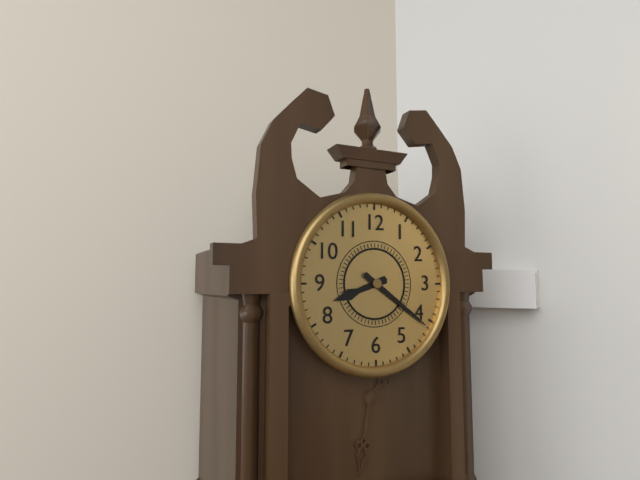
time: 8:21
